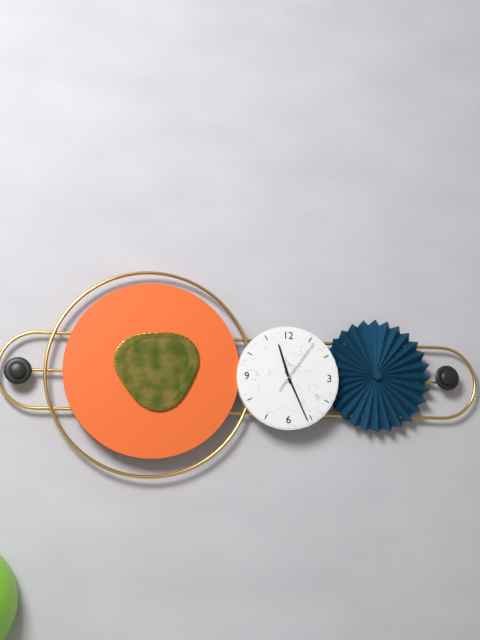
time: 11:26:06
